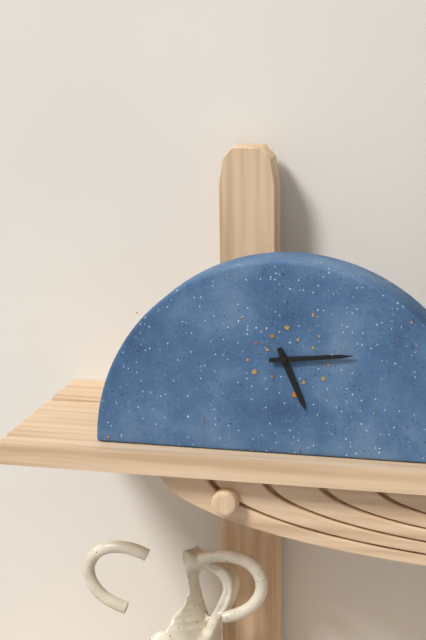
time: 5:14
